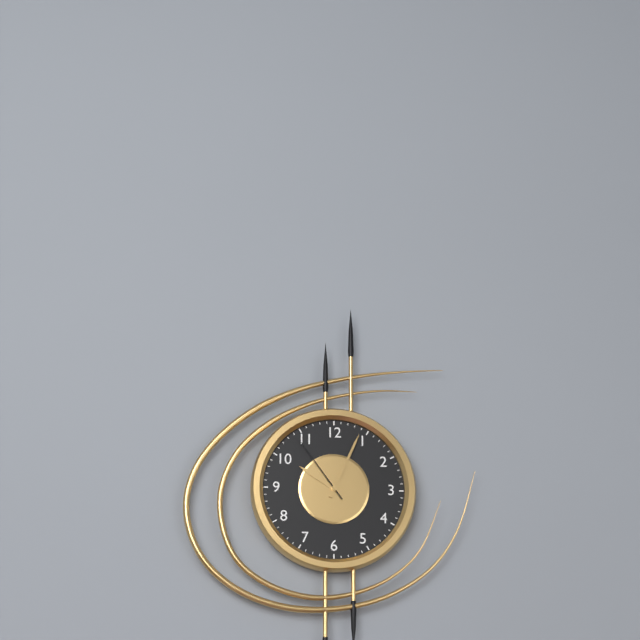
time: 10:04:54
